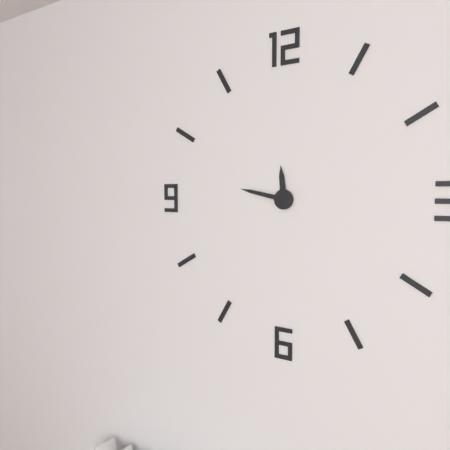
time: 11:47
